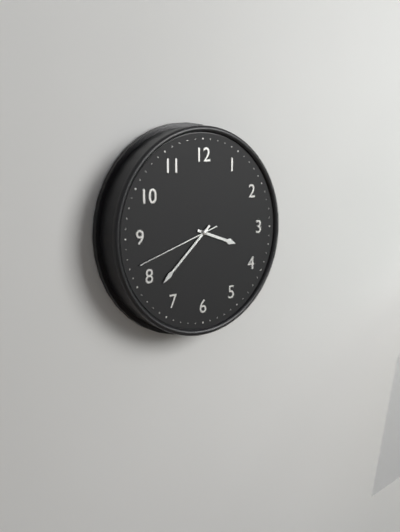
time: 3:38:42
